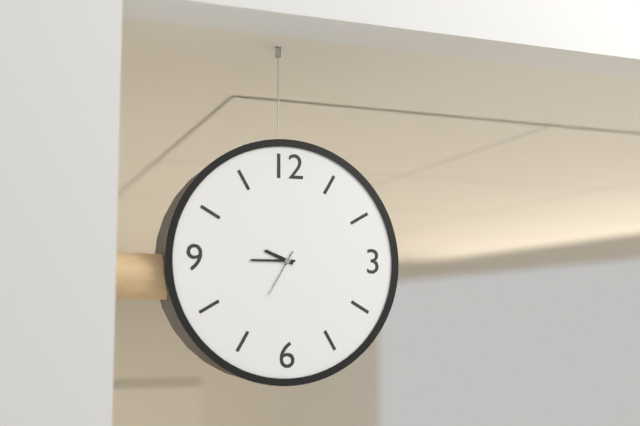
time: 9:45
